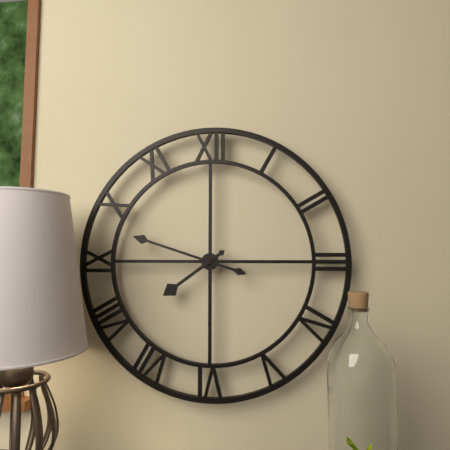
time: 7:48
